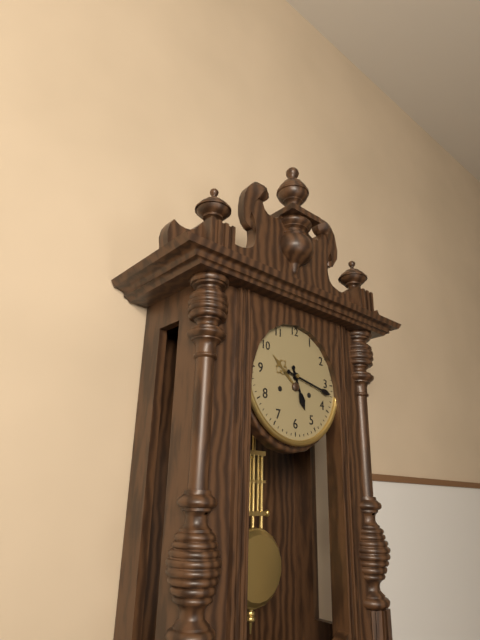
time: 5:17
